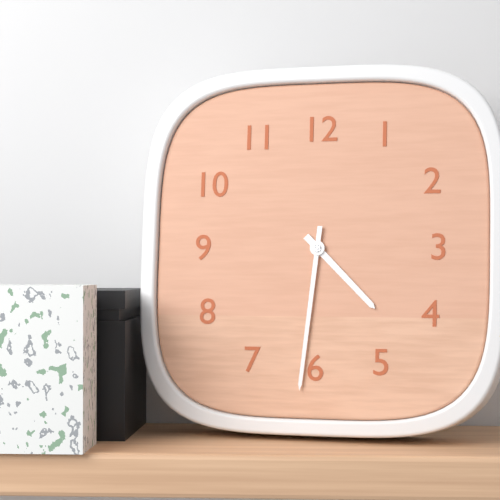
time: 4:31
